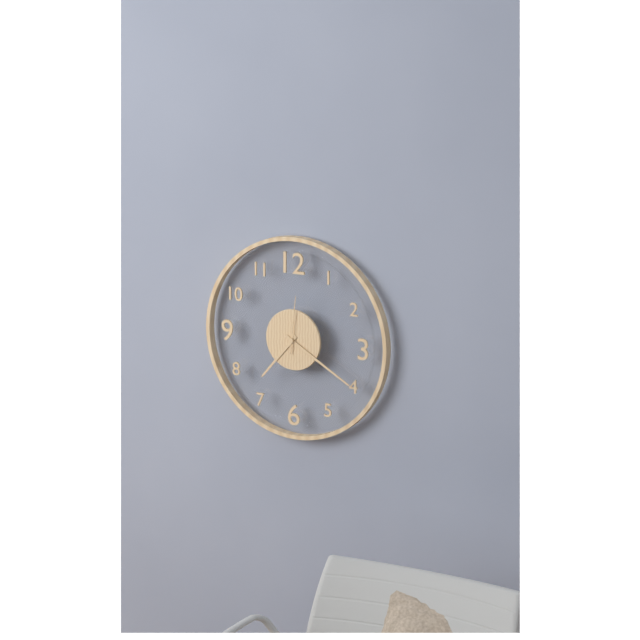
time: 7:20:01
